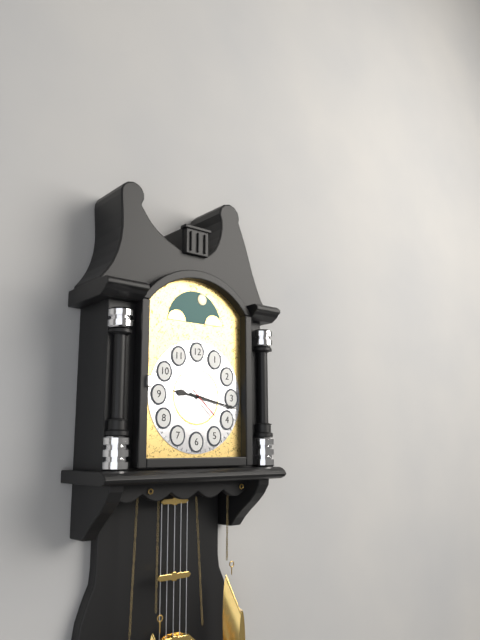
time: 9:17
